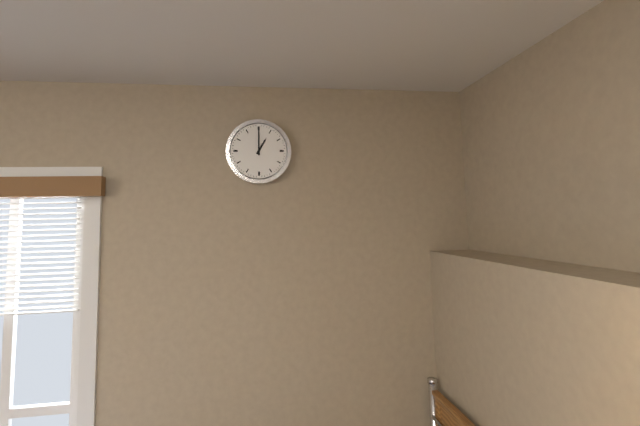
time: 1:00
